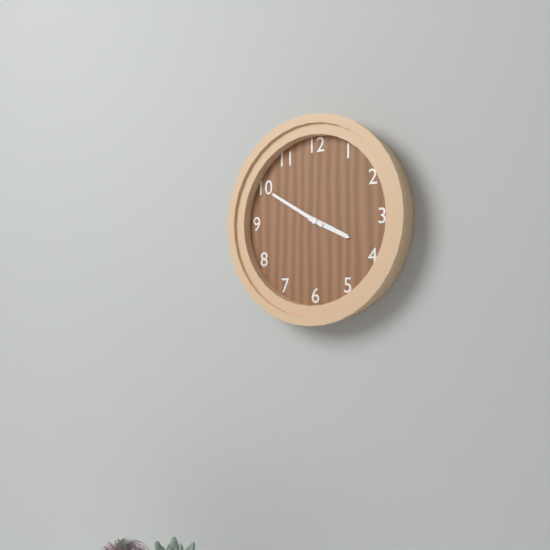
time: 3:50
